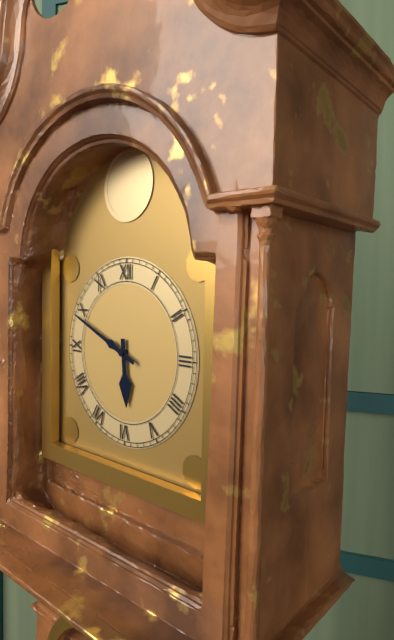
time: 5:49
